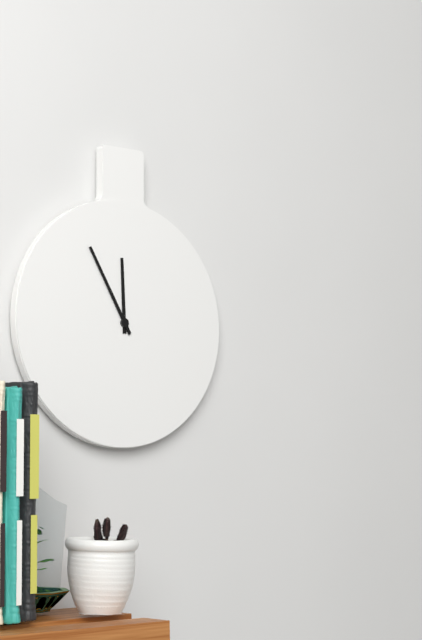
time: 11:55
